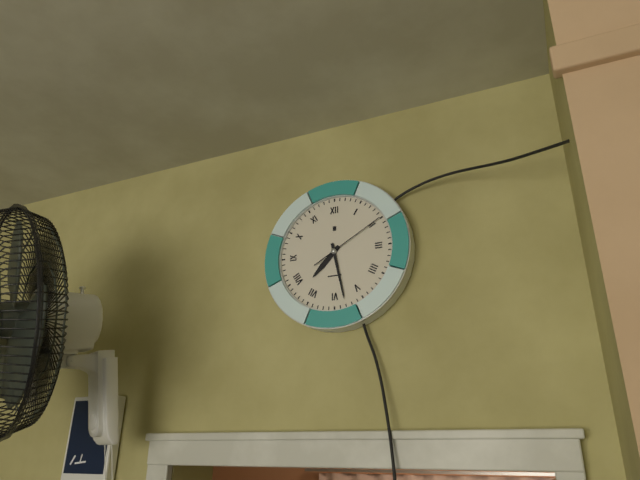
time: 7:28:10
